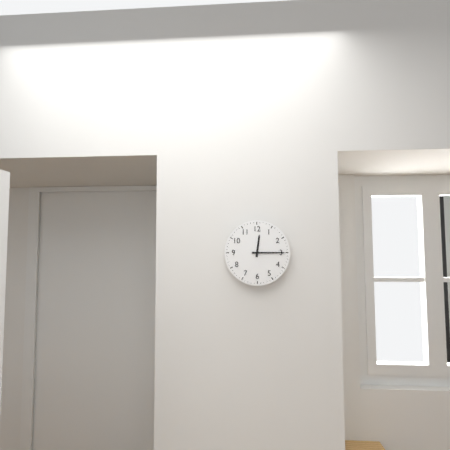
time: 12:15
